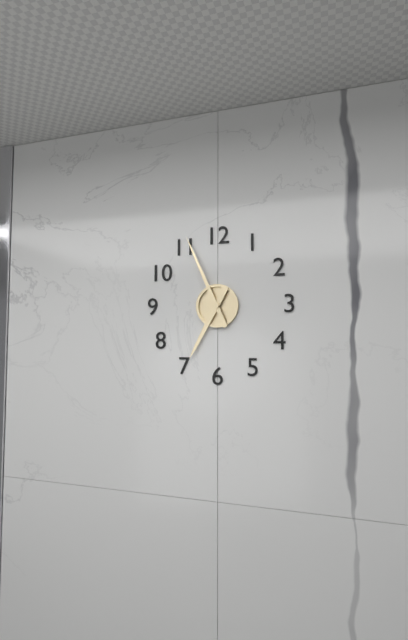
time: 6:56
